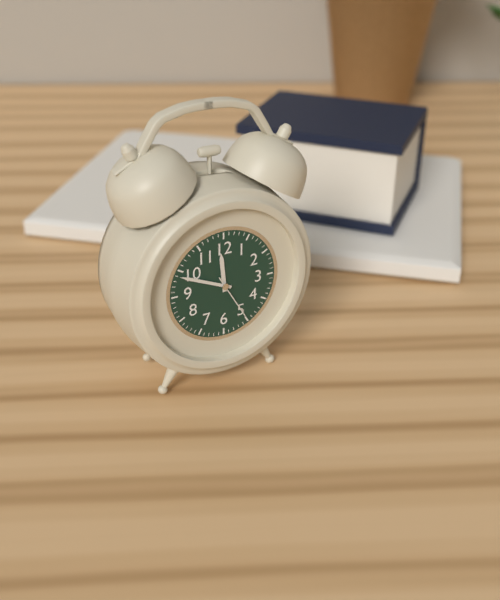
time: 11:49:25
